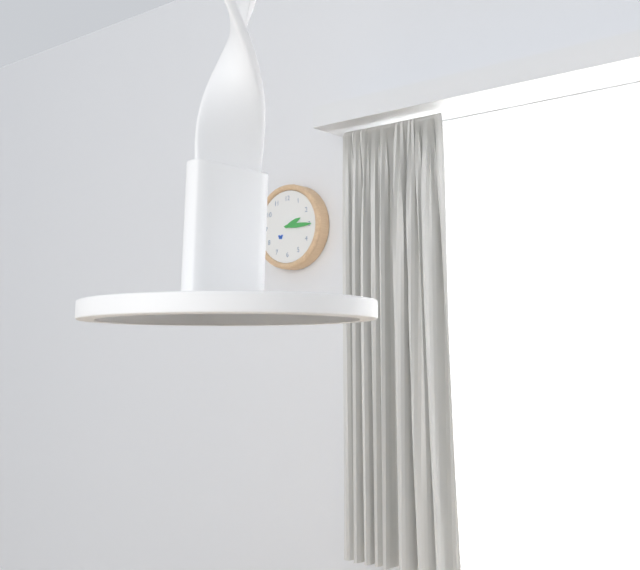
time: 2:15
